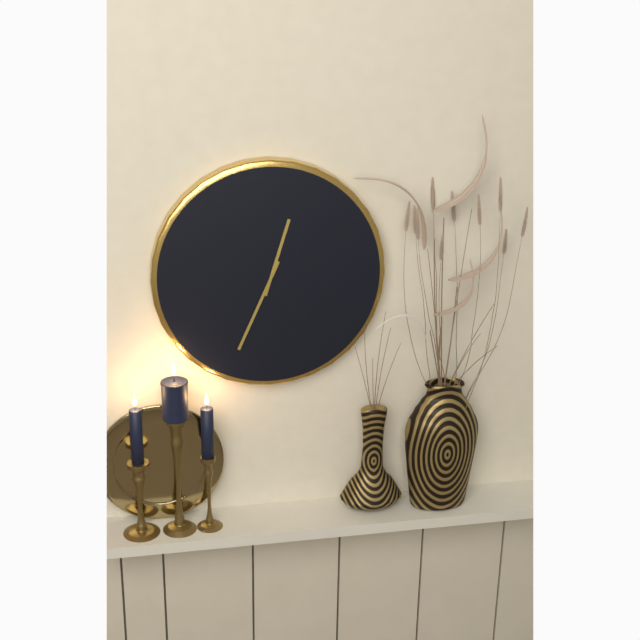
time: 12:34
